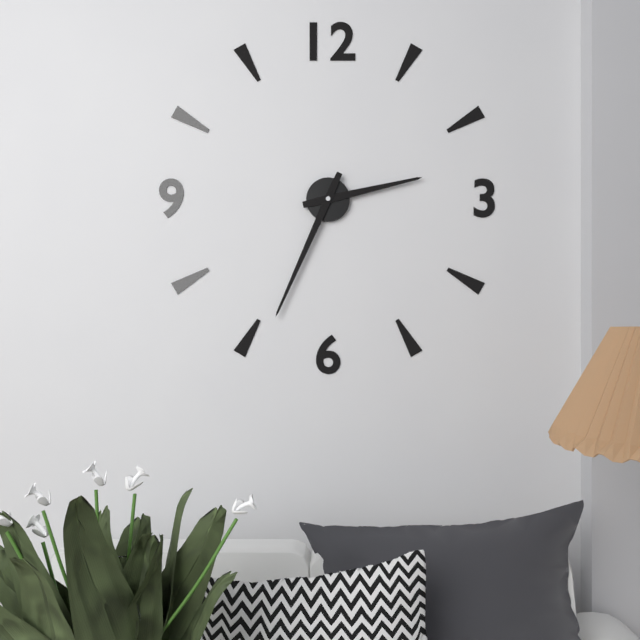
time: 2:34
